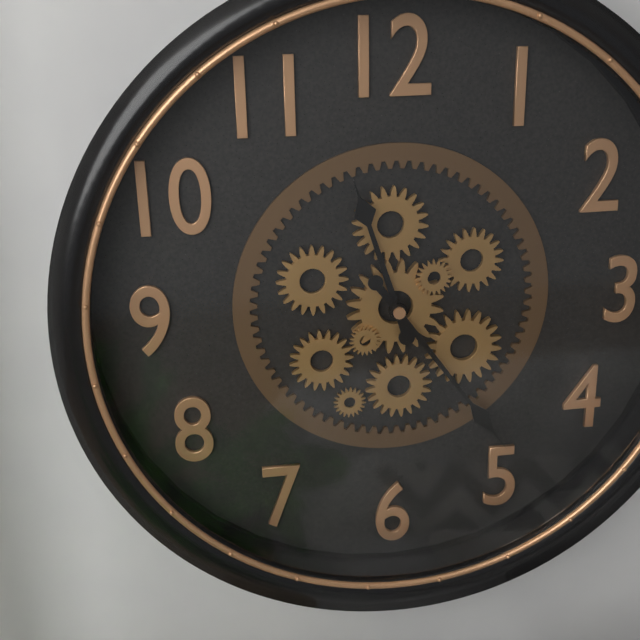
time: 11:24
